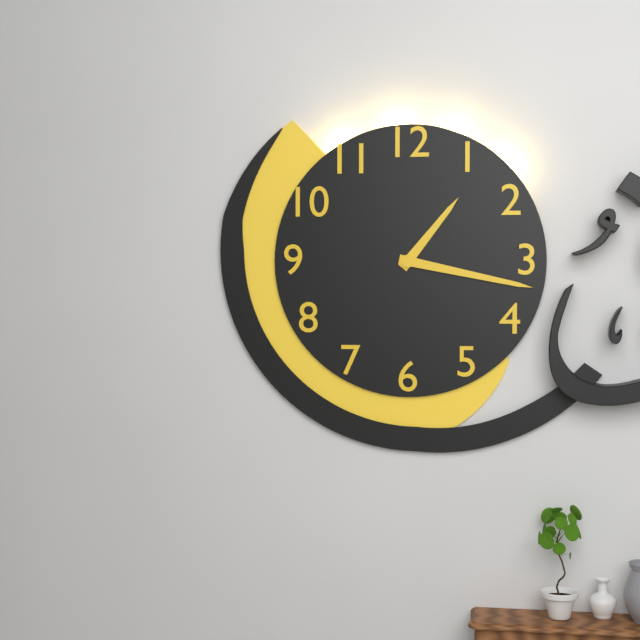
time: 1:17
